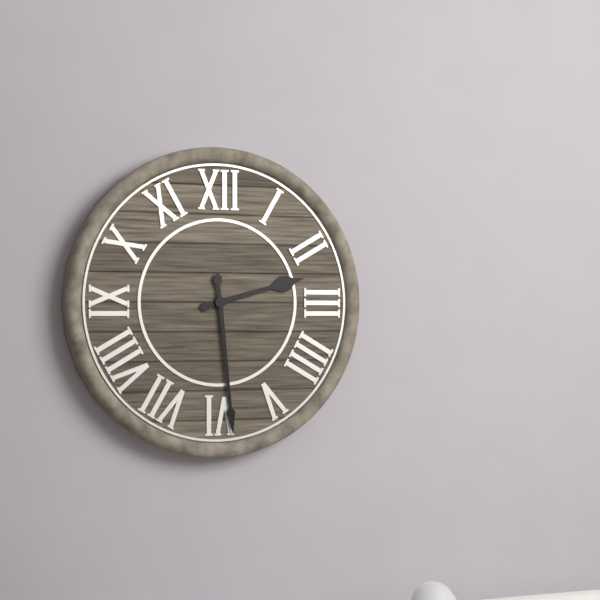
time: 2:29
